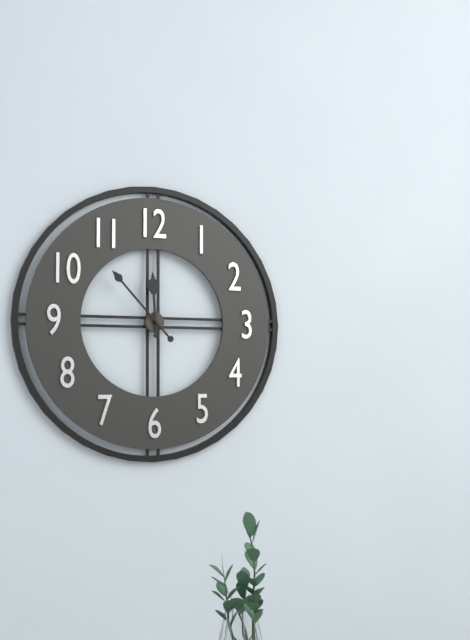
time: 11:53
